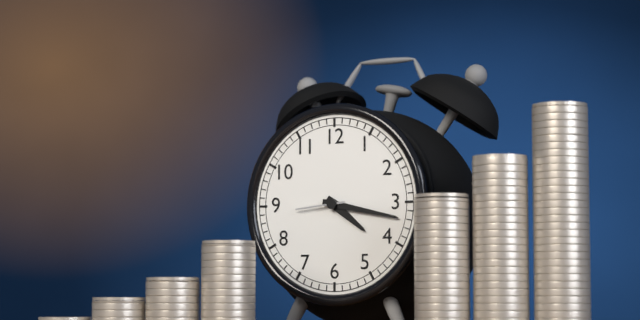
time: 4:17
